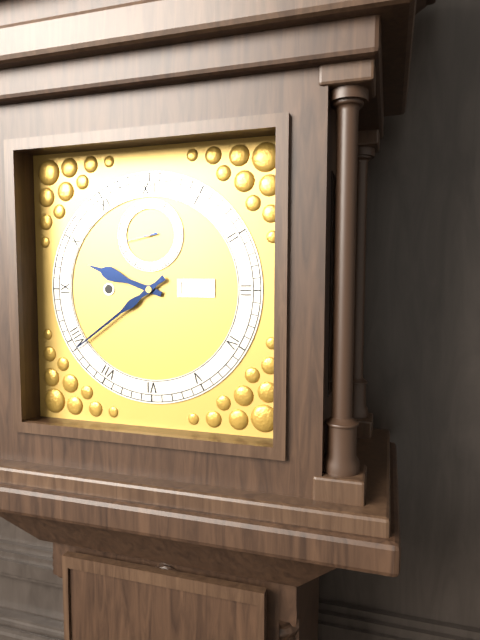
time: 9:39
